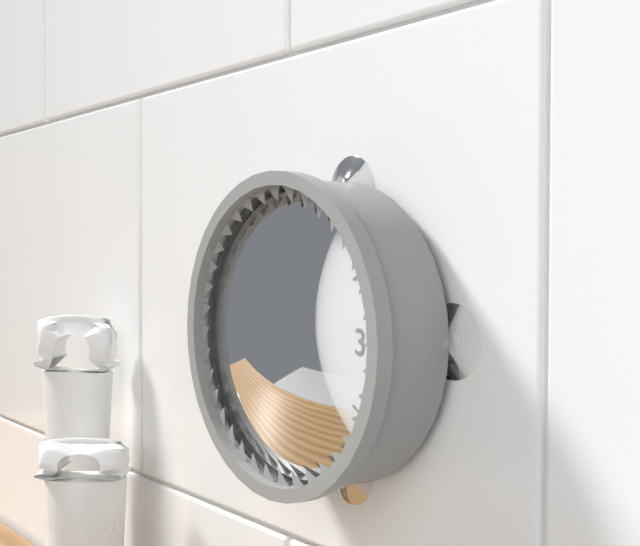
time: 5:59
